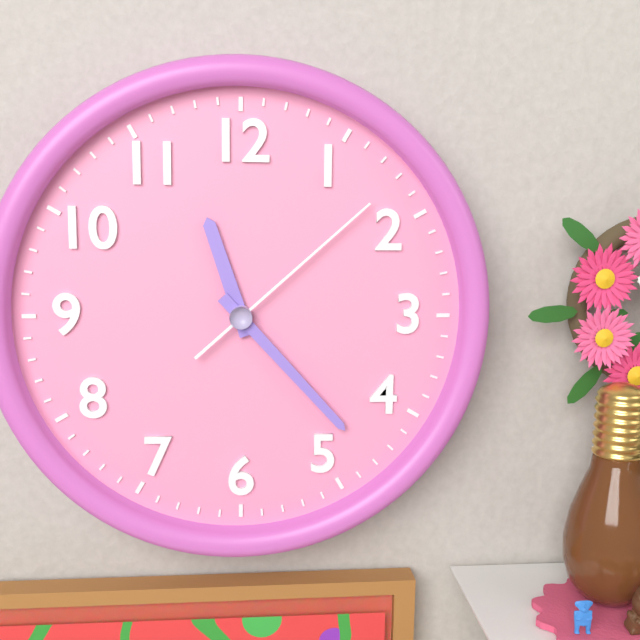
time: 11:23:08
